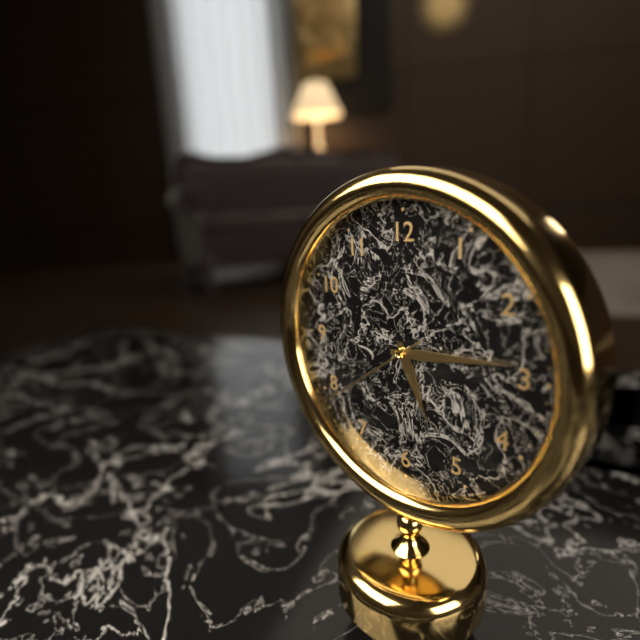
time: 5:14:39
